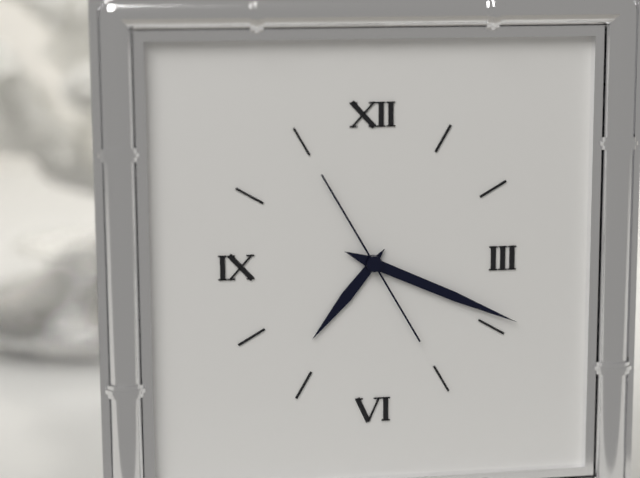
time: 7:19:55
